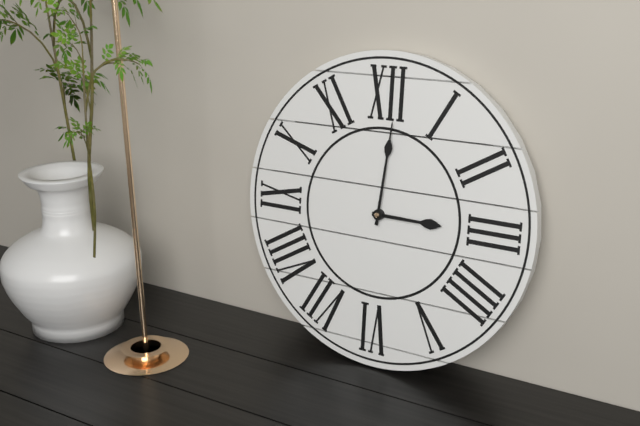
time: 3:01
